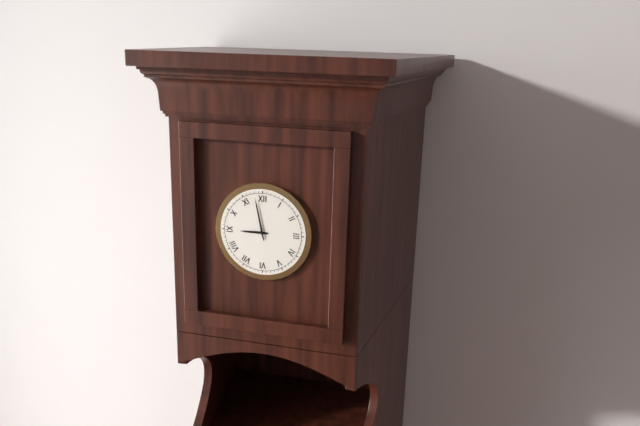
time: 8:58
